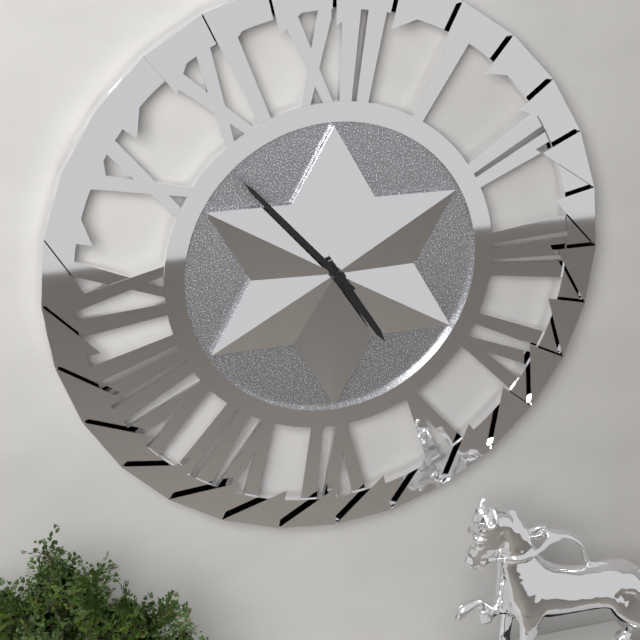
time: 4:53
